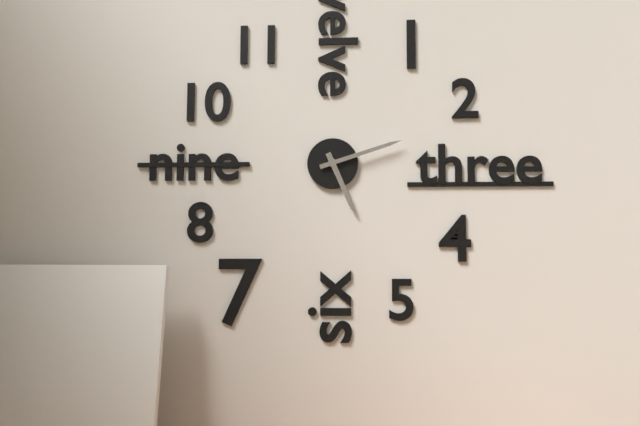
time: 5:12
